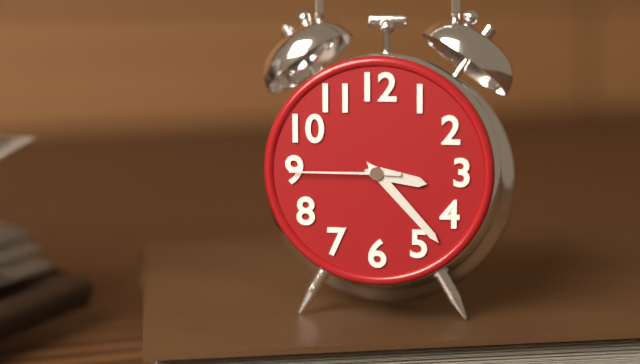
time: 3:23:45
